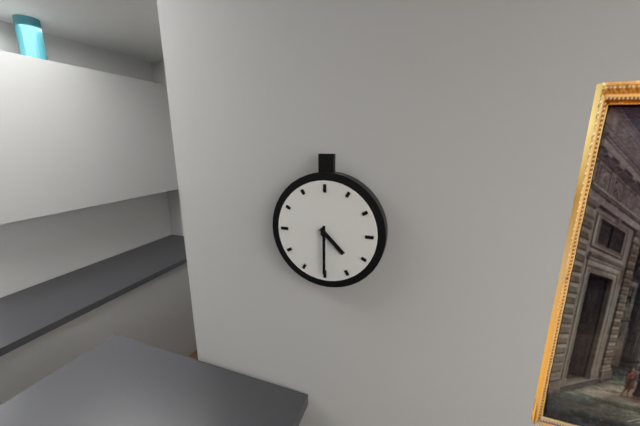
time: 4:30
